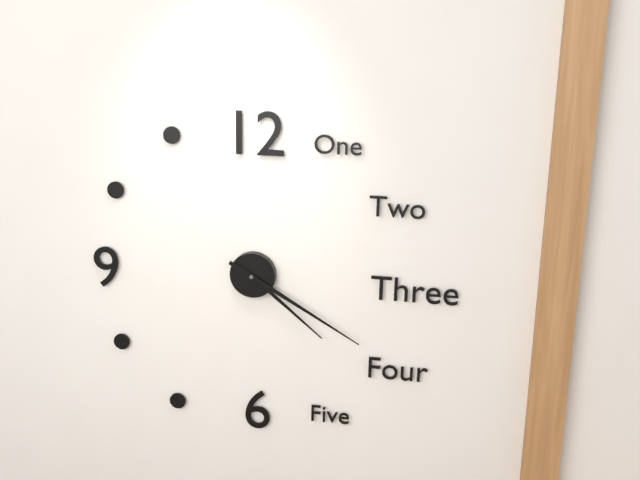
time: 4:20
